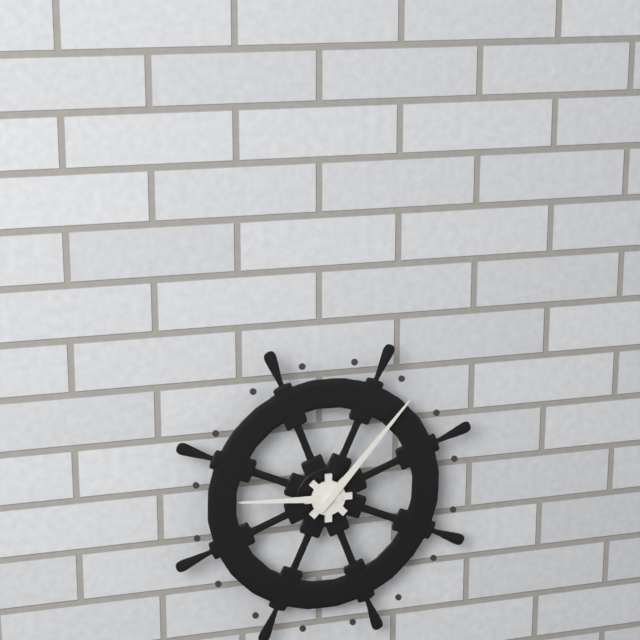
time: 9:07
